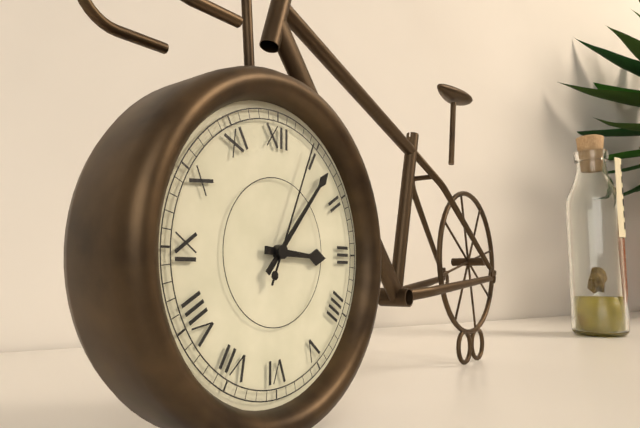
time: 3:07:04
